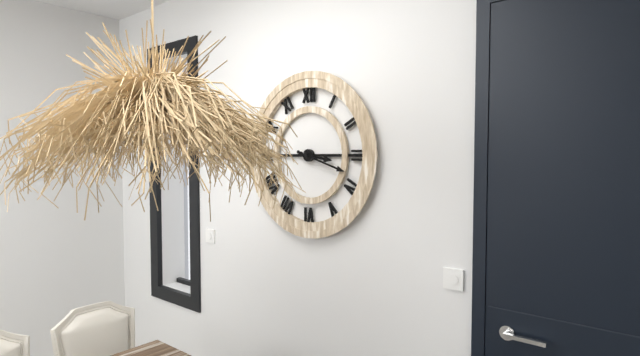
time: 3:18
